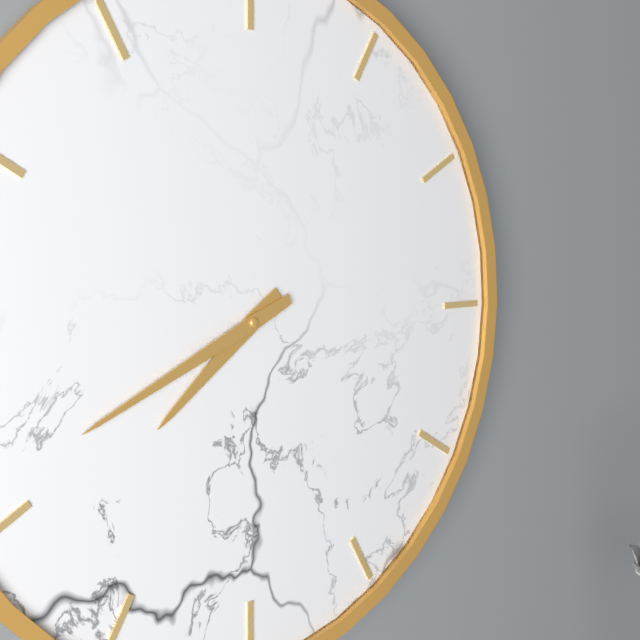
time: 7:41
